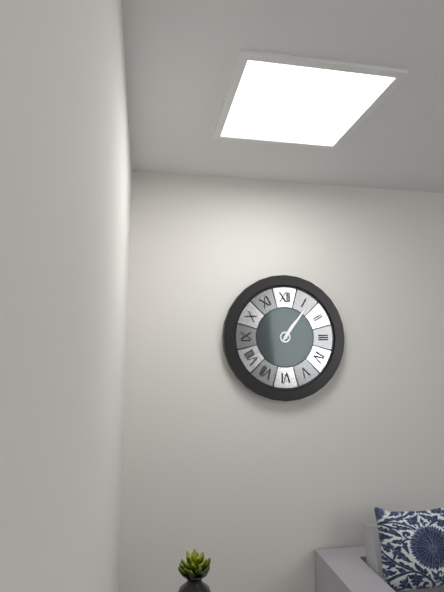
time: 1:06
